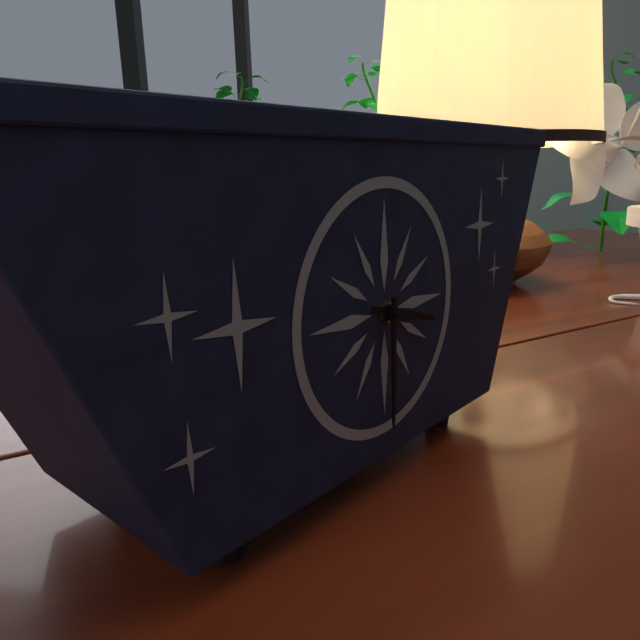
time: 3:30
